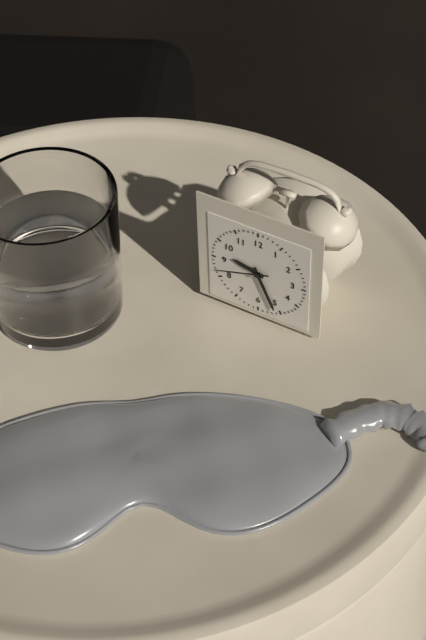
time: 9:26:42
